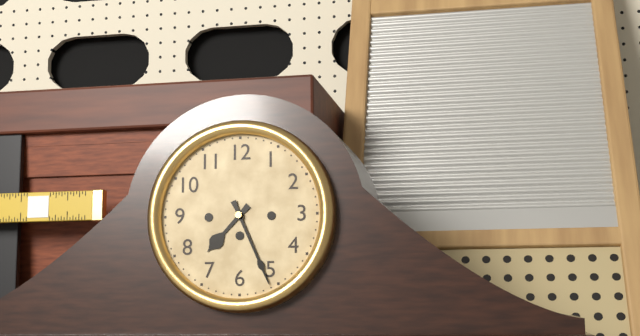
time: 7:26
